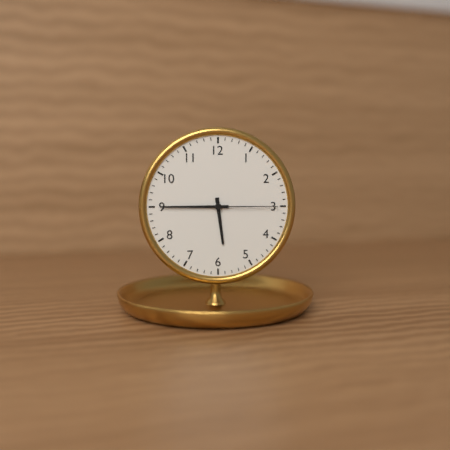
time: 5:45:15
